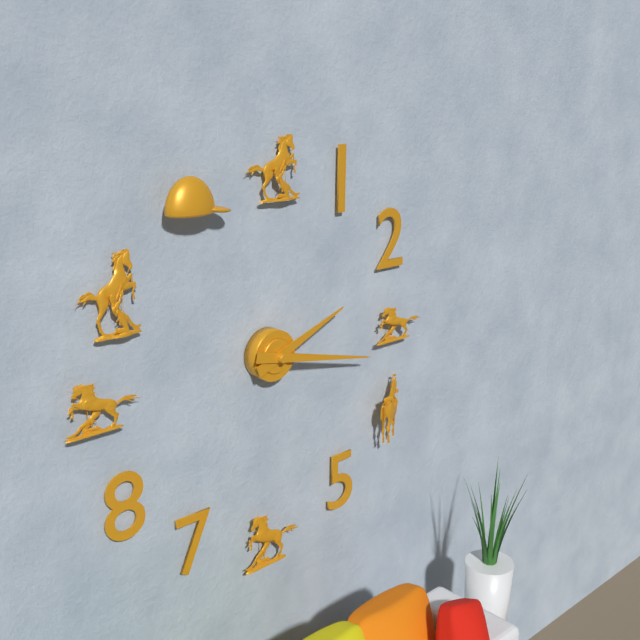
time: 2:17
